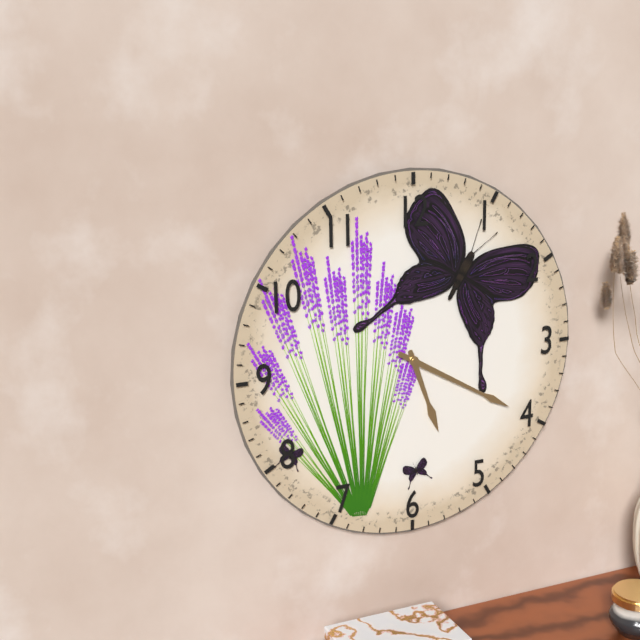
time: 5:20
